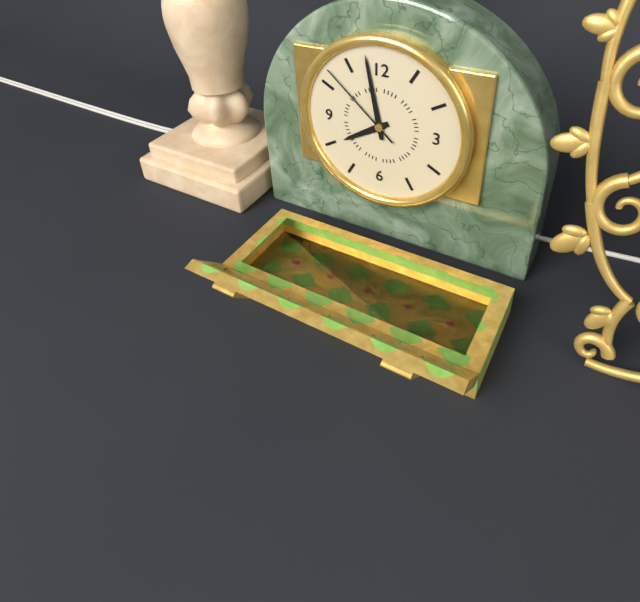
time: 7:58:52
